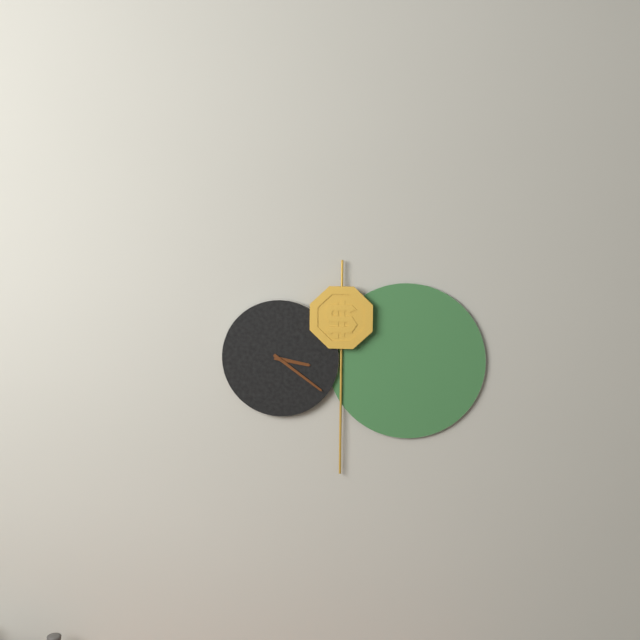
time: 3:21
